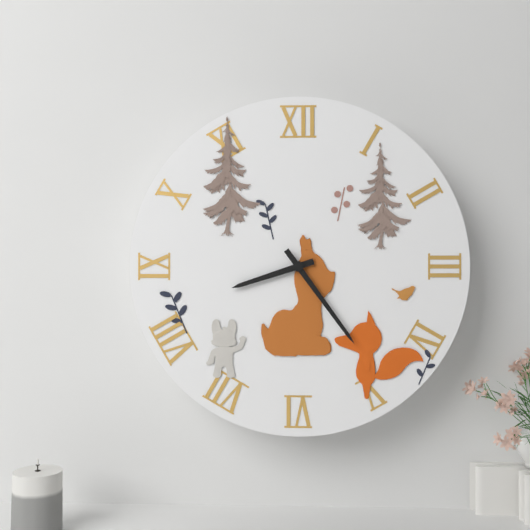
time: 8:24
